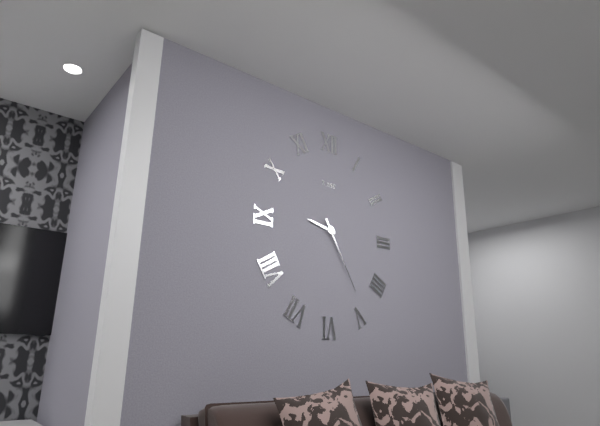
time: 9:25
